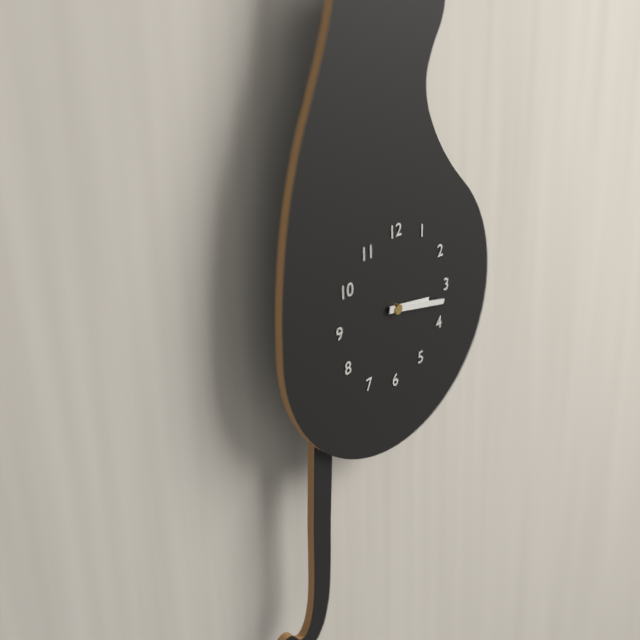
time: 3:17
